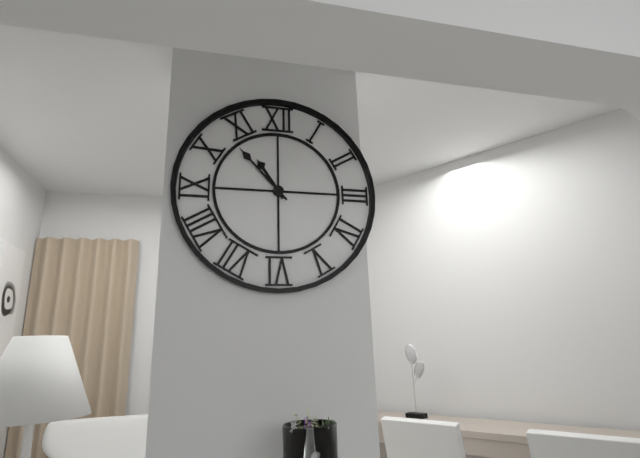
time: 10:53
